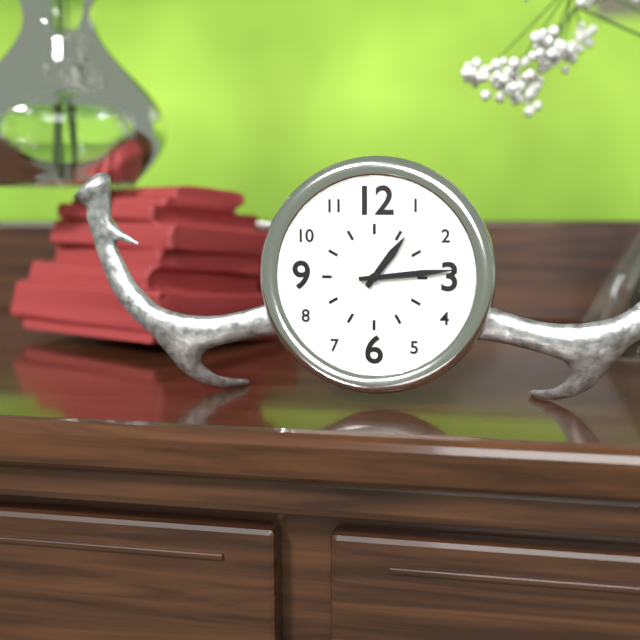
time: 1:14
